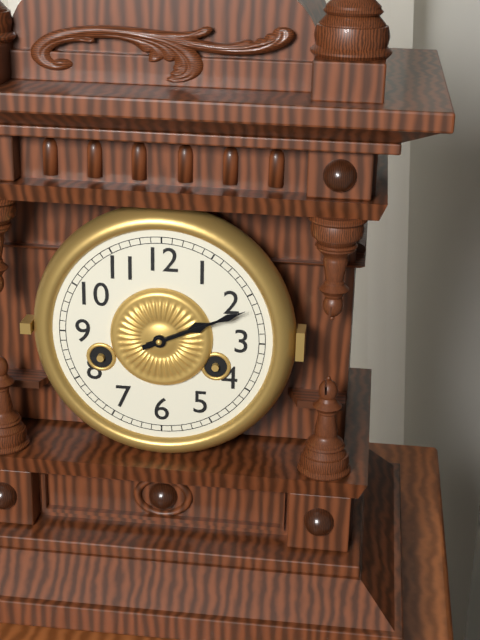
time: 2:11
